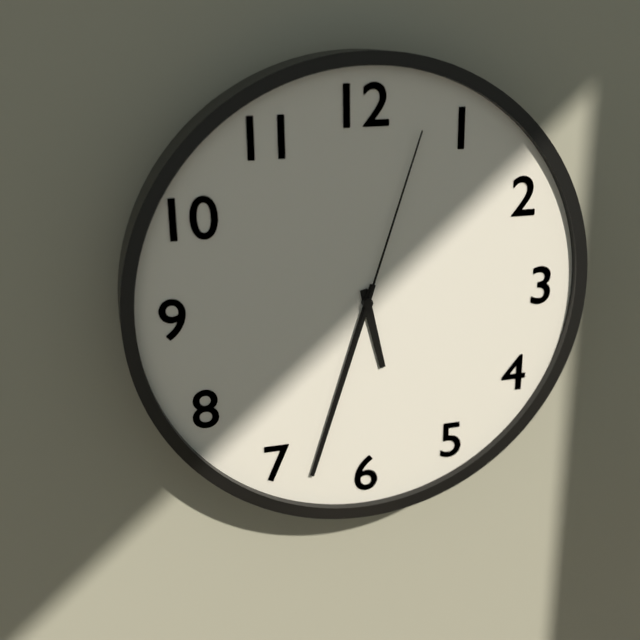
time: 5:33:03
